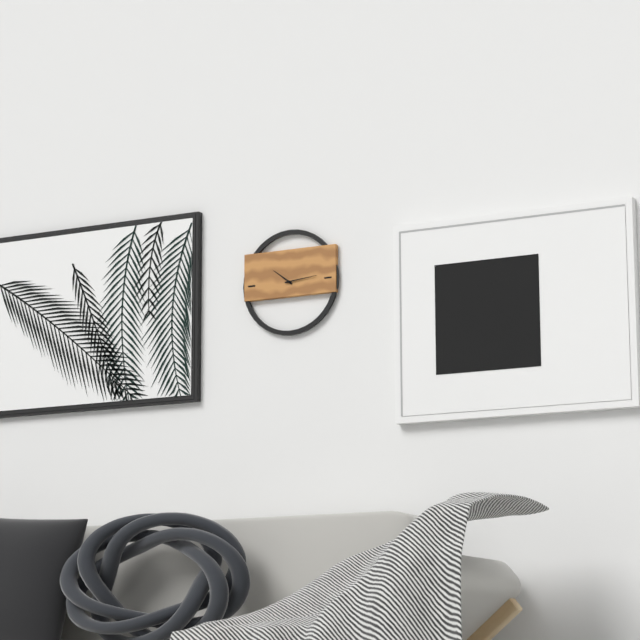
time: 10:14
